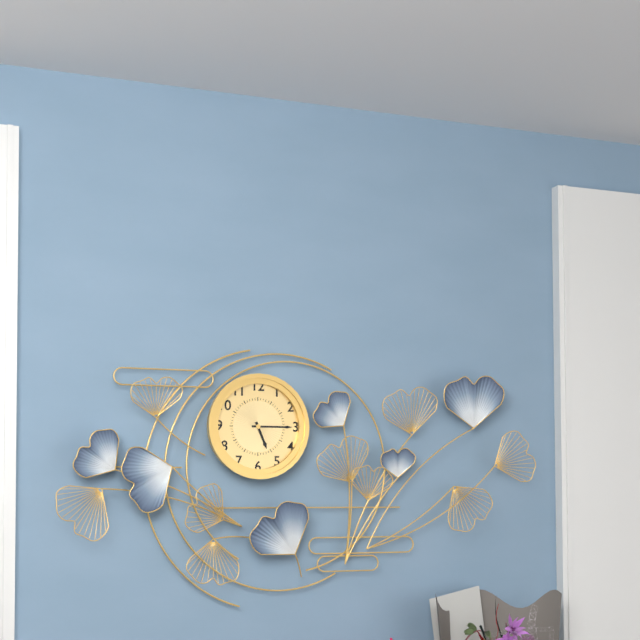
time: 5:15
